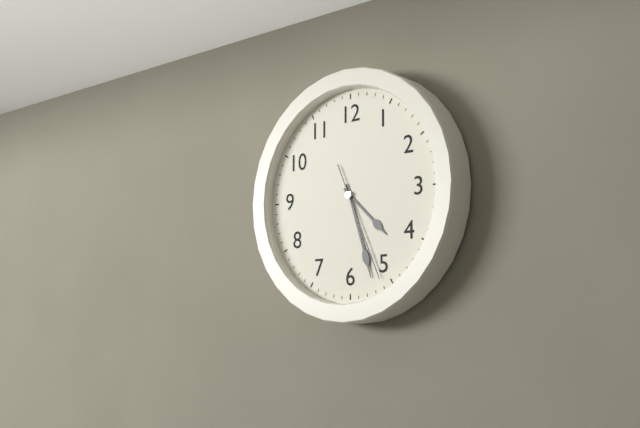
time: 4:27:26
